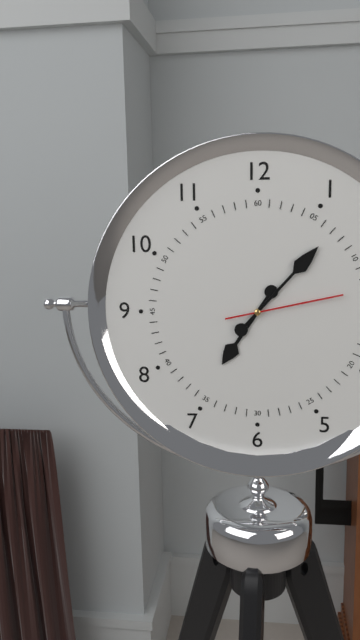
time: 7:07:13
